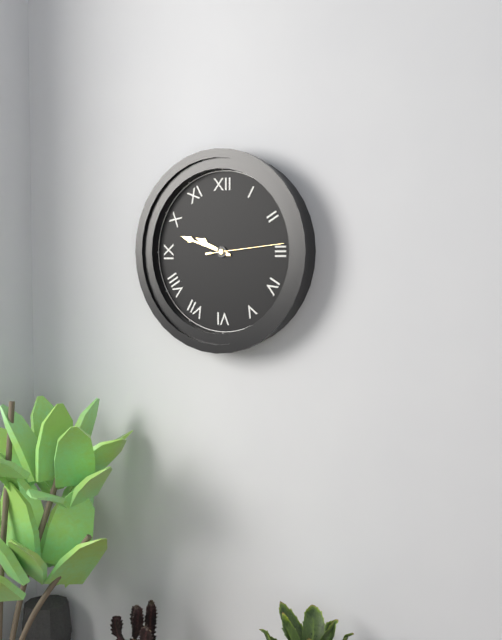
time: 9:48:14
